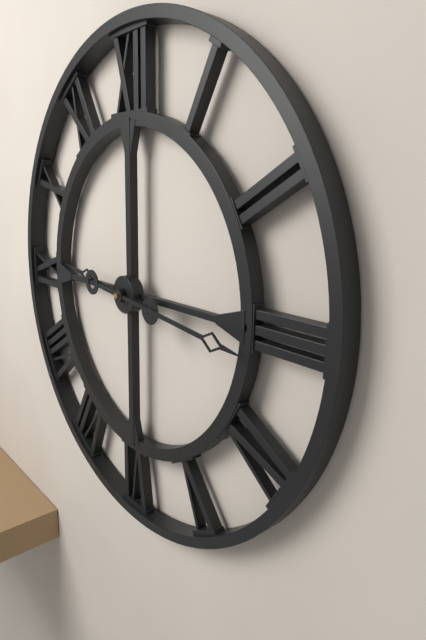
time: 9:16
